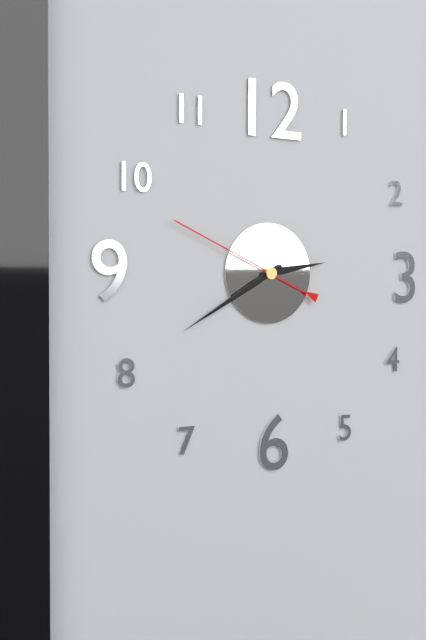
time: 2:40:49
